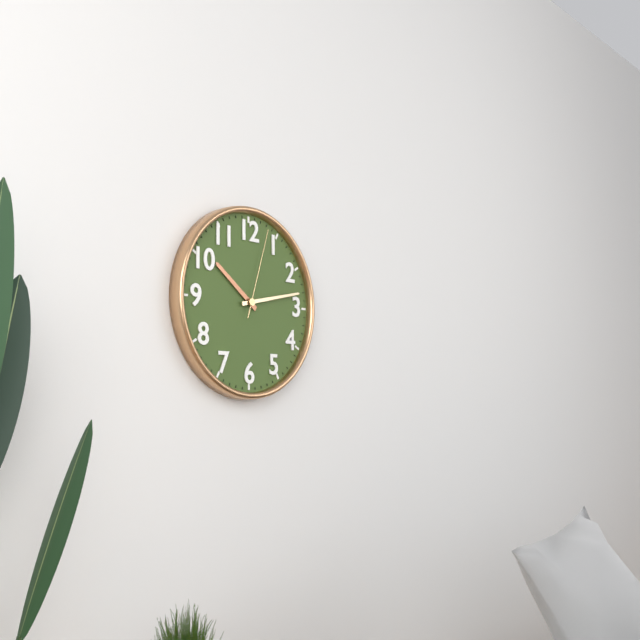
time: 10:13:03
